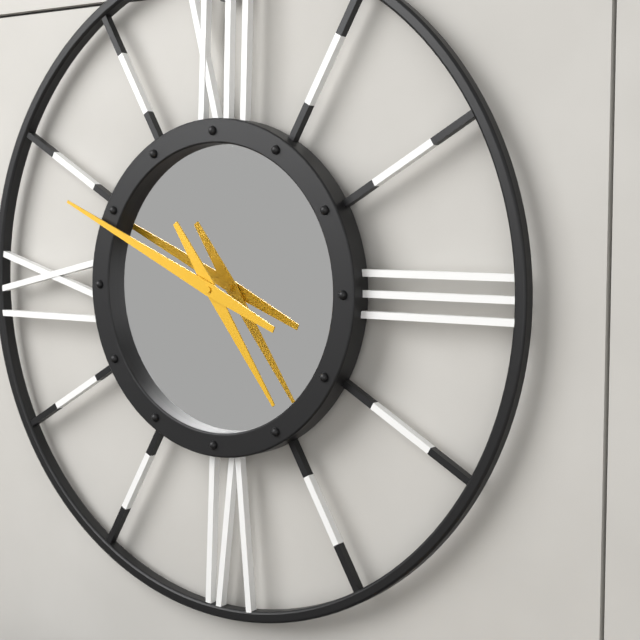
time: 4:49
